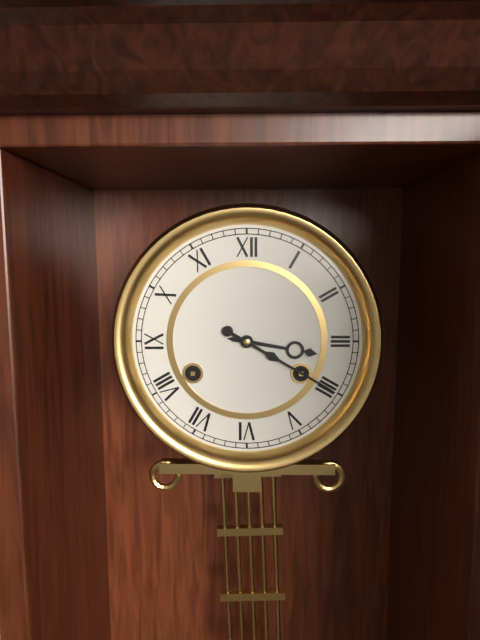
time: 3:20
